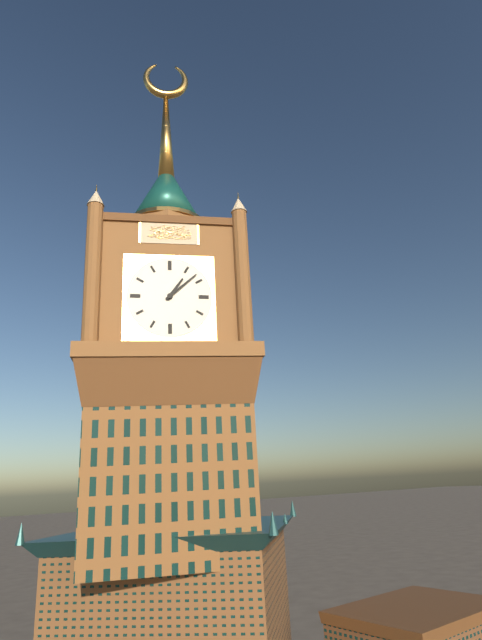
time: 1:08
